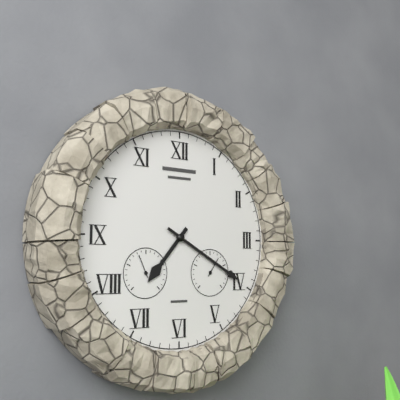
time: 7:20
